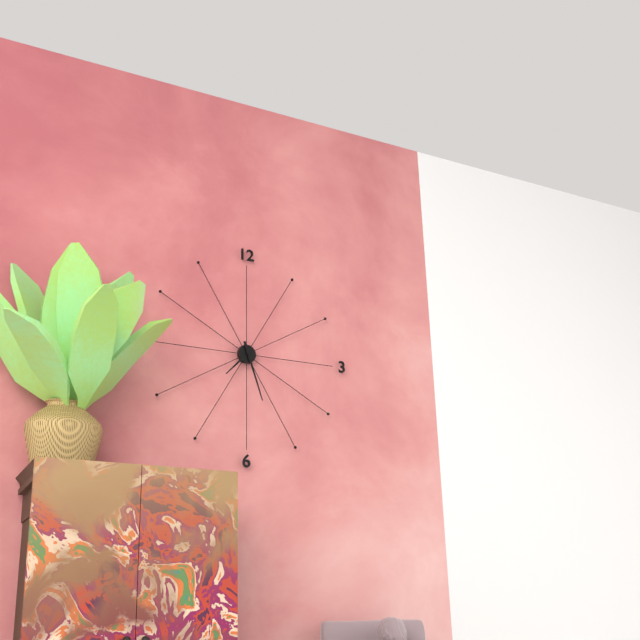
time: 7:27
